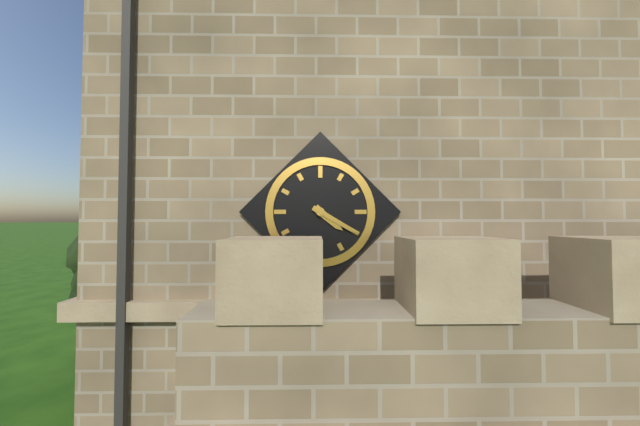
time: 4:20
